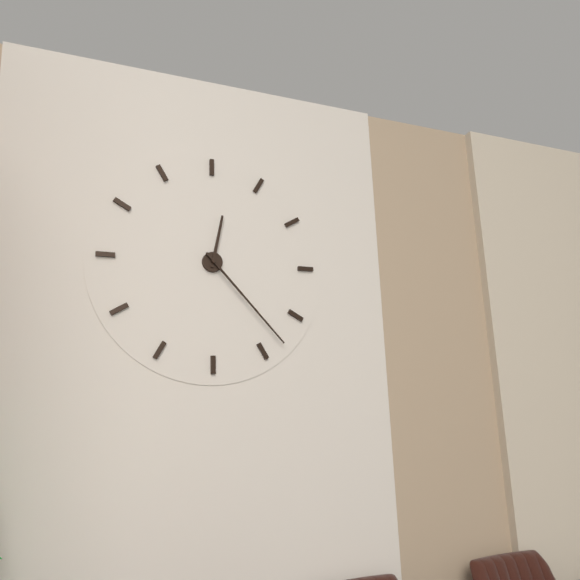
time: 12:23
